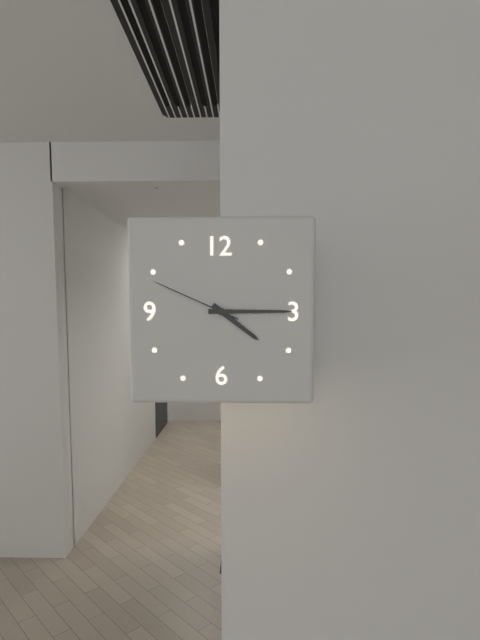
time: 4:15:49
